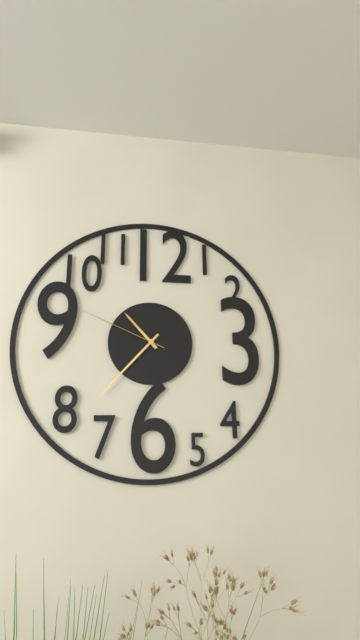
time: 10:37:49
